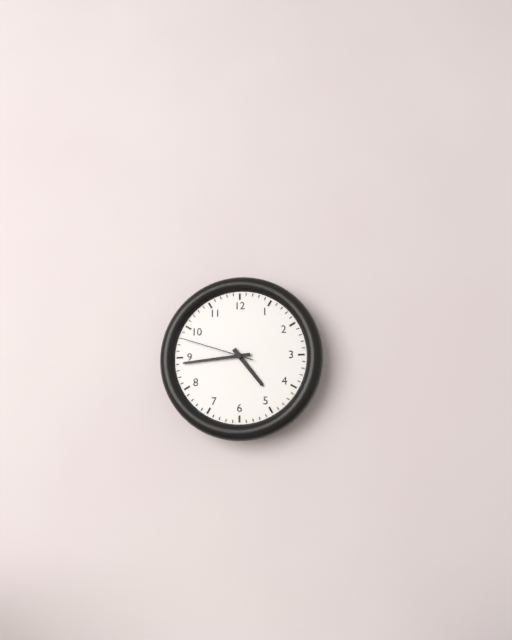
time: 4:44:48
